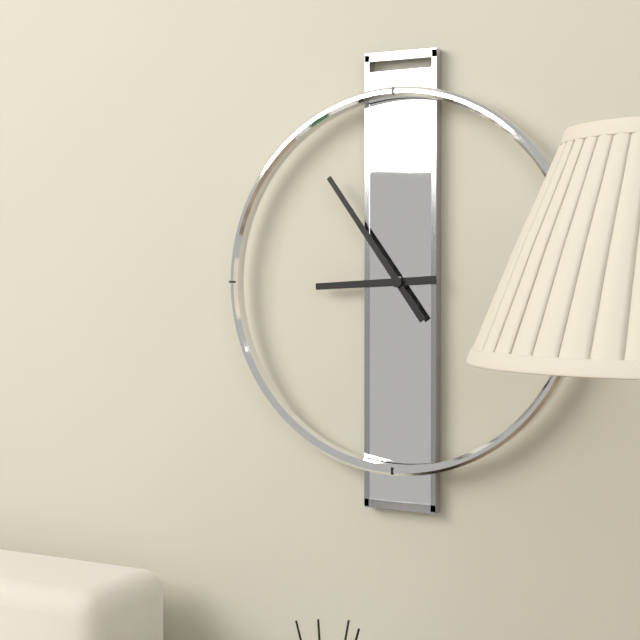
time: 8:54
